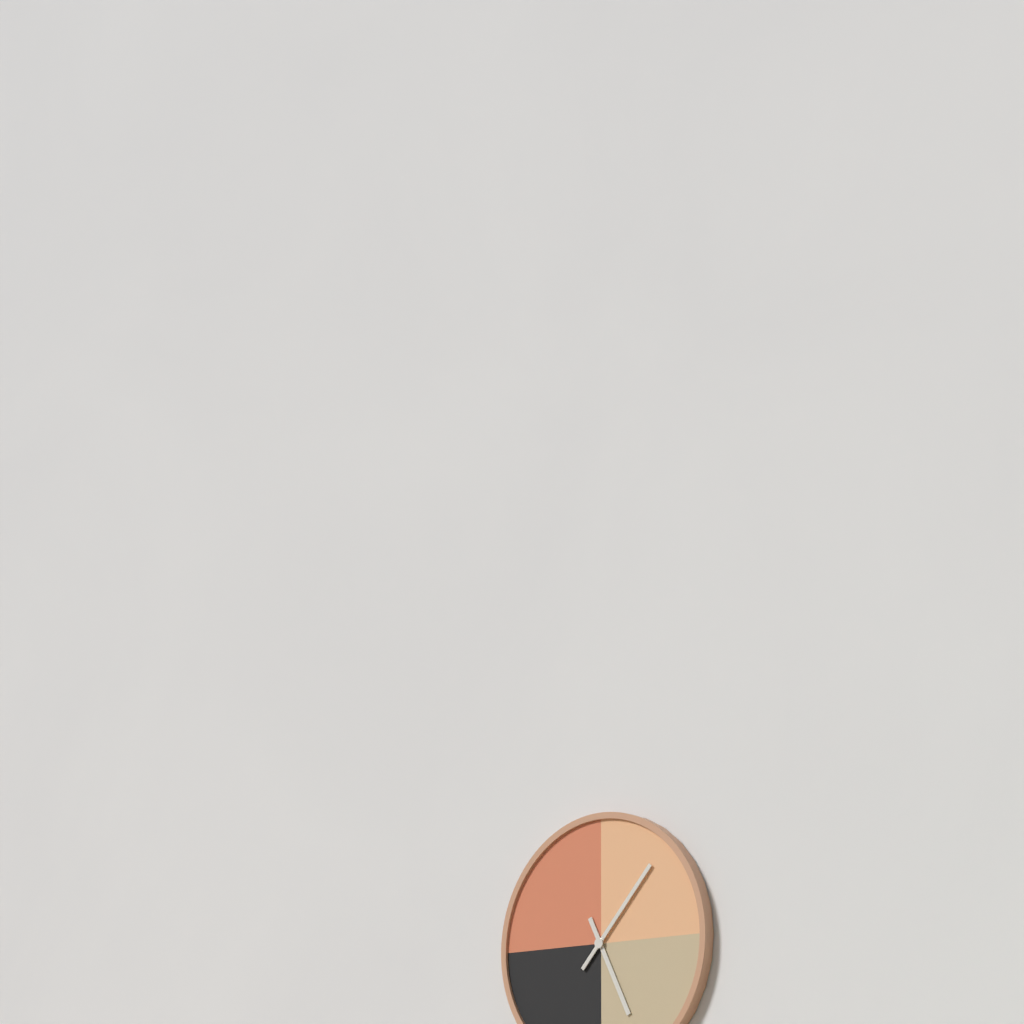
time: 5:07
